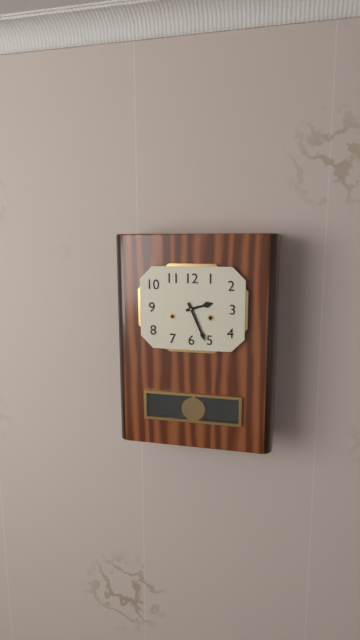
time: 2:26
